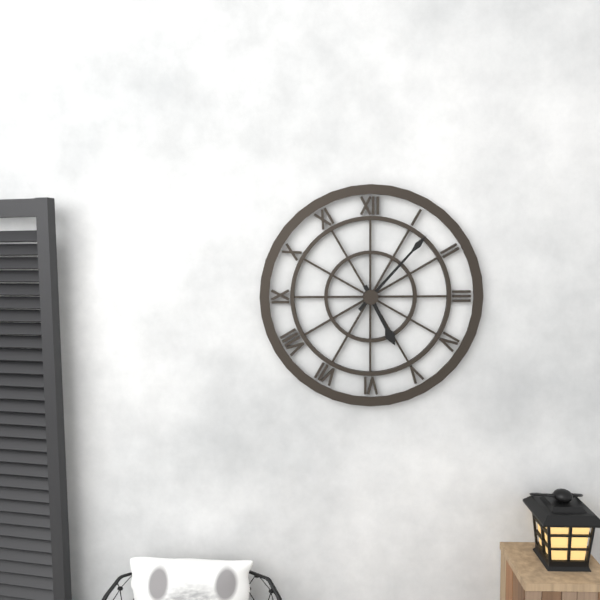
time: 5:07
